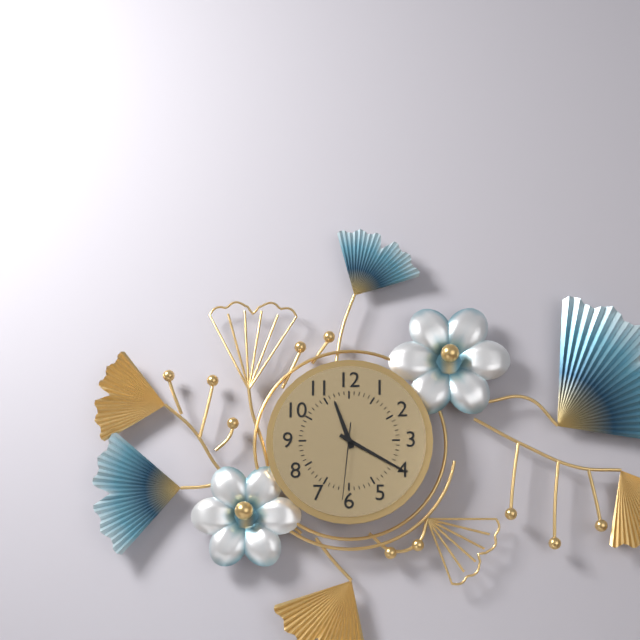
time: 11:20:31
